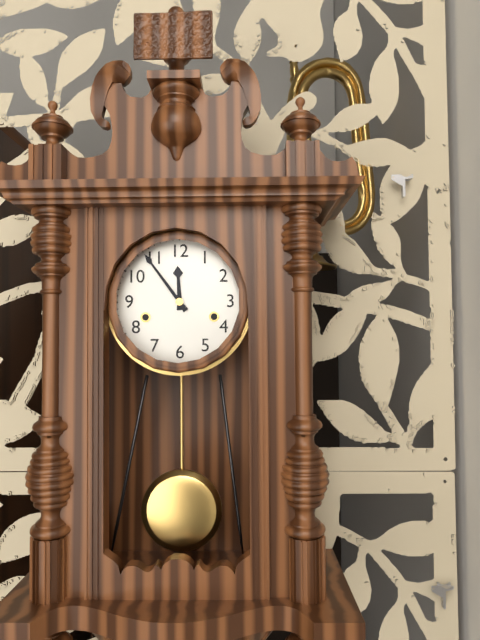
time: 11:54
